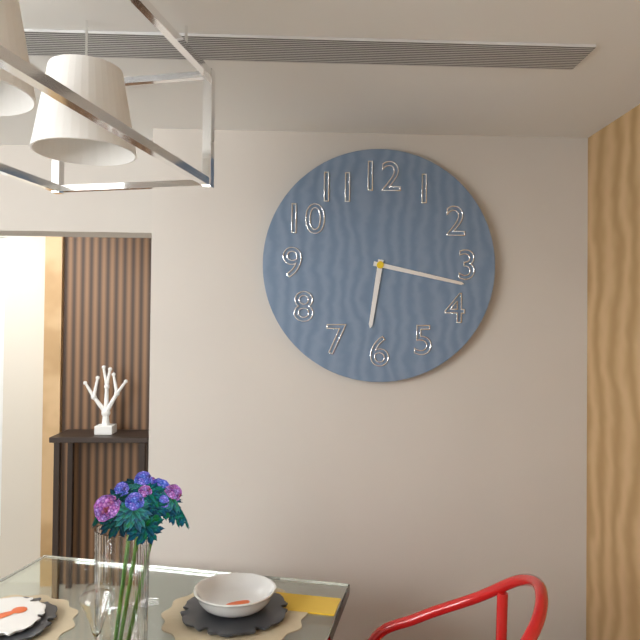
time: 6:17
